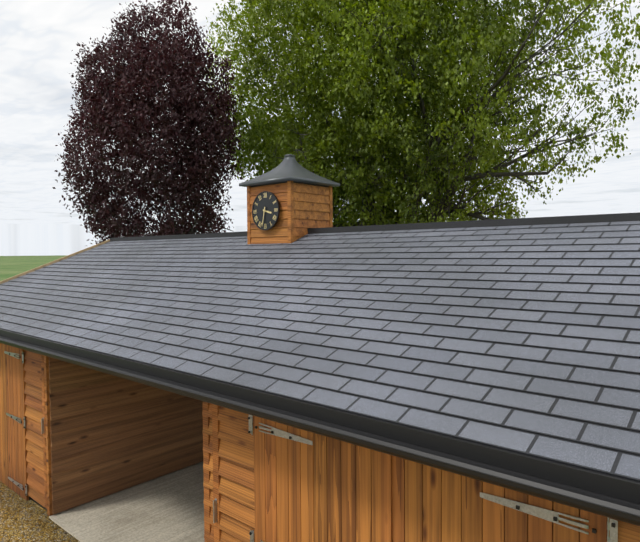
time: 3:32
